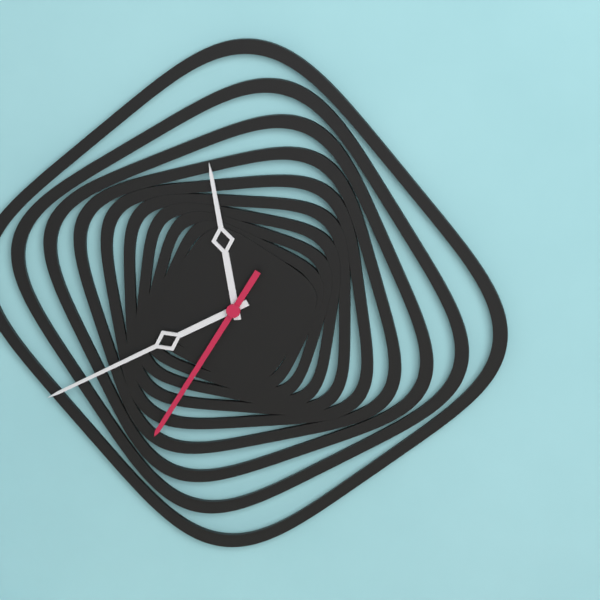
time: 11:40:35
